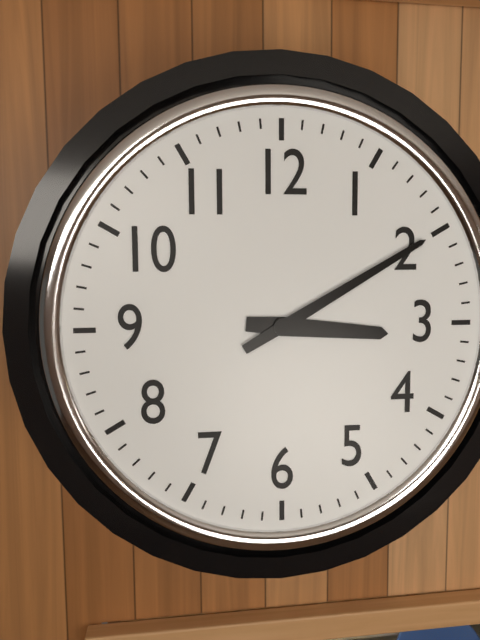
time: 3:10
